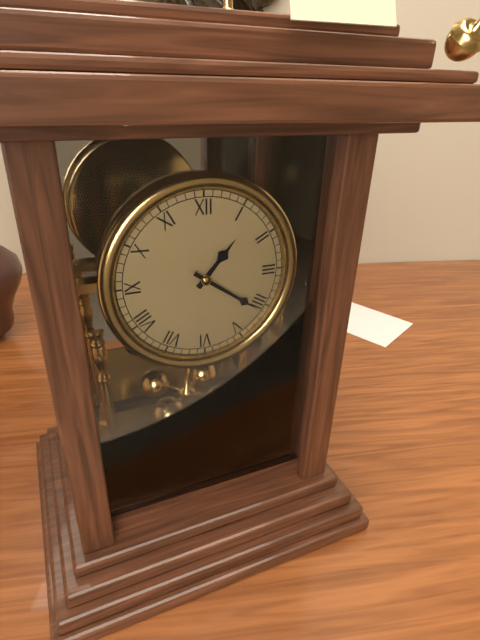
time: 1:21
